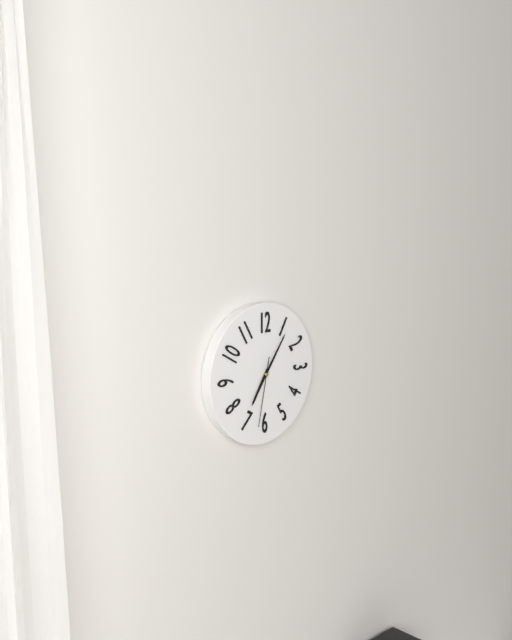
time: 7:06:32
